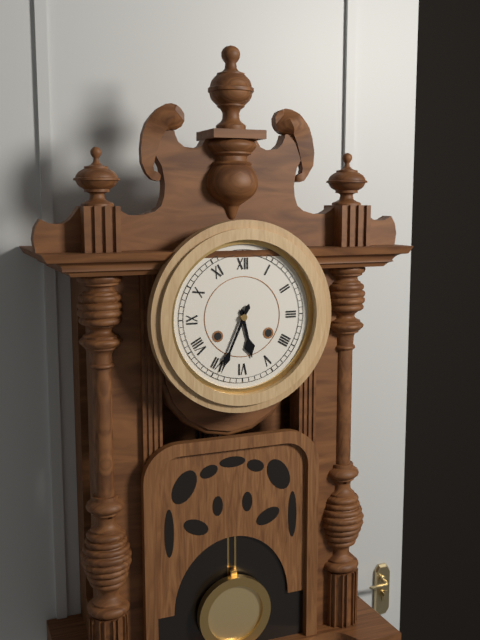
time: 5:34
